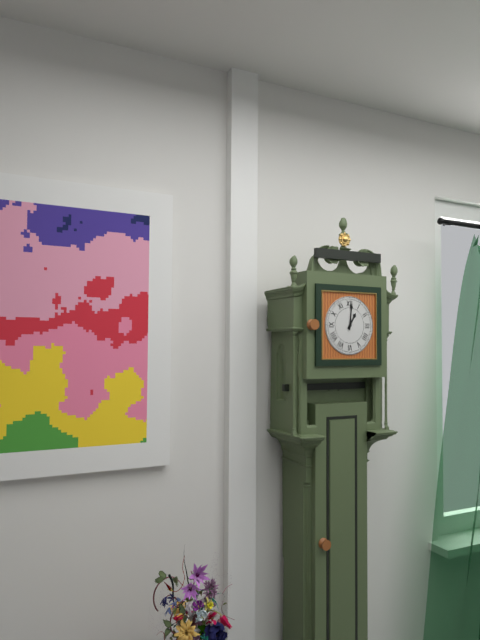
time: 1:01
